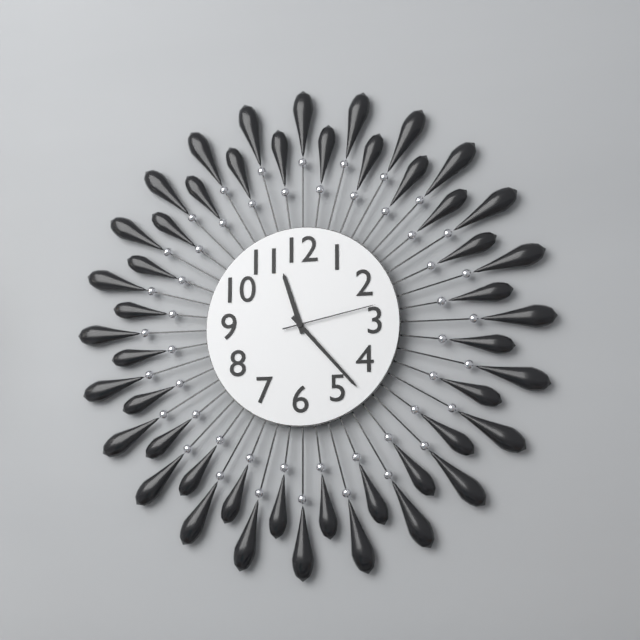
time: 11:23:13
